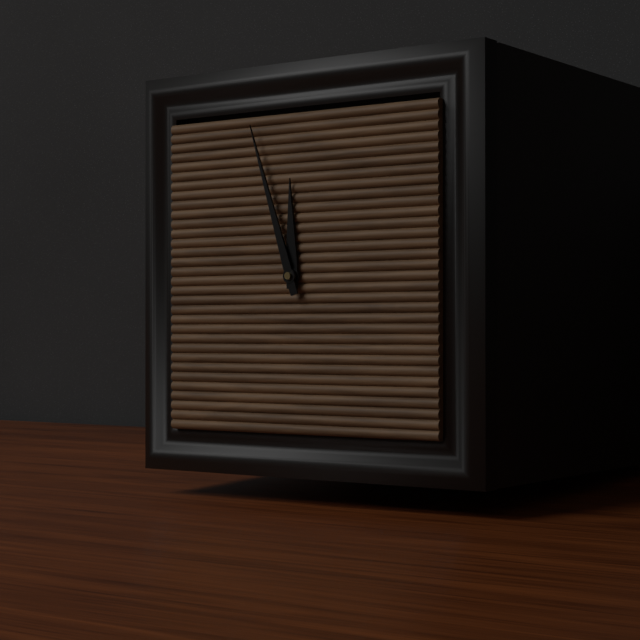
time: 11:57
